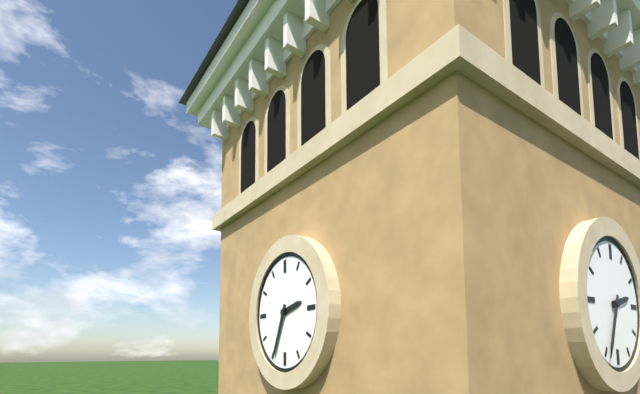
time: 2:34
